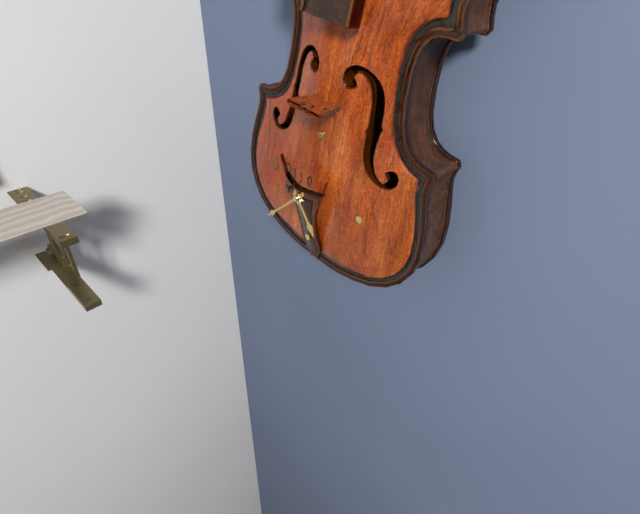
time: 4:37
